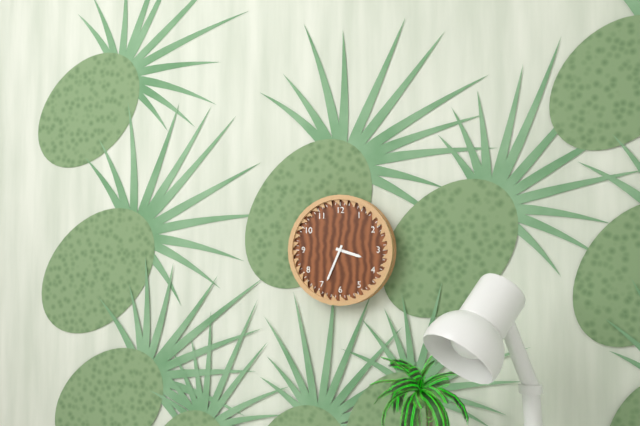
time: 3:34
